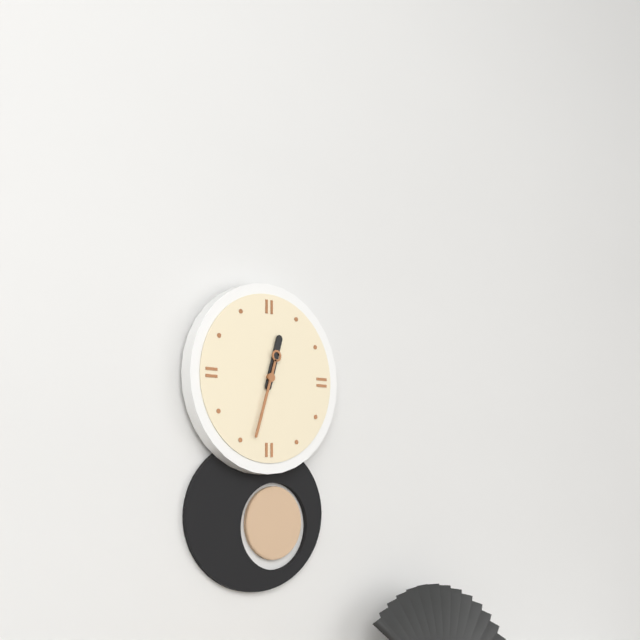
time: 12:33
